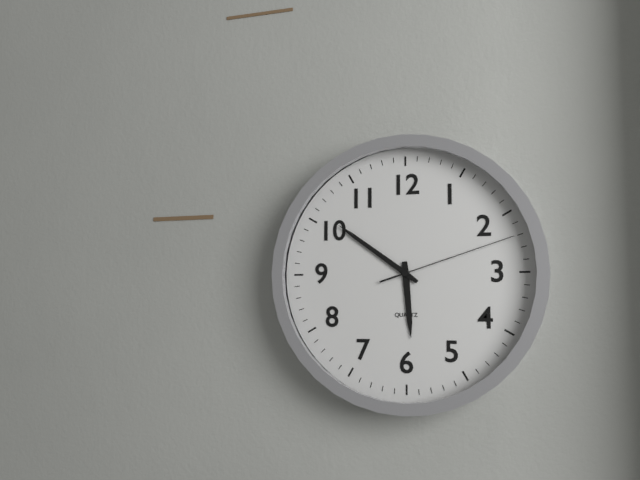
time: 5:51:12
